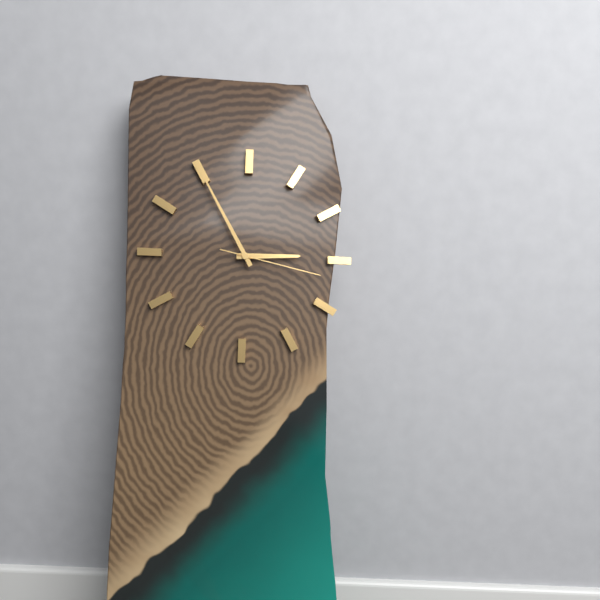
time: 2:55:17
